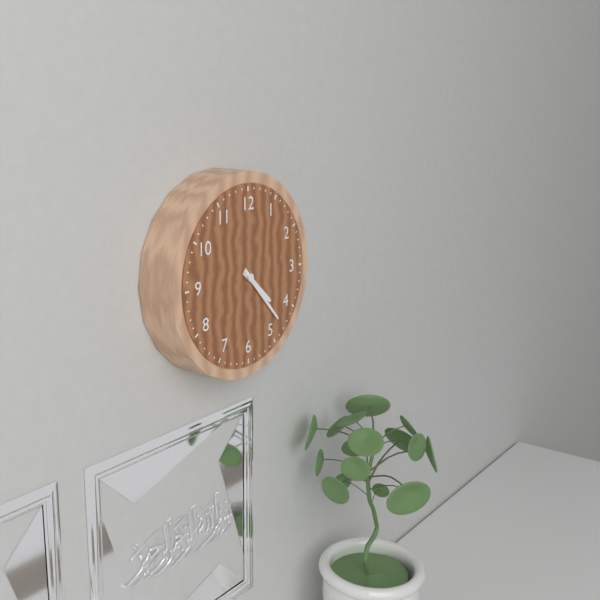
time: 4:23
